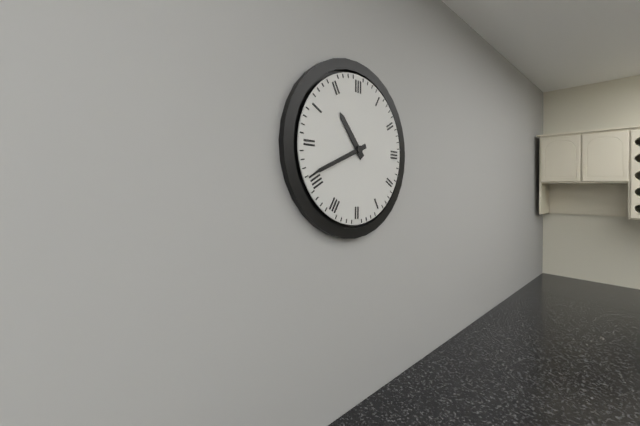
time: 10:41
